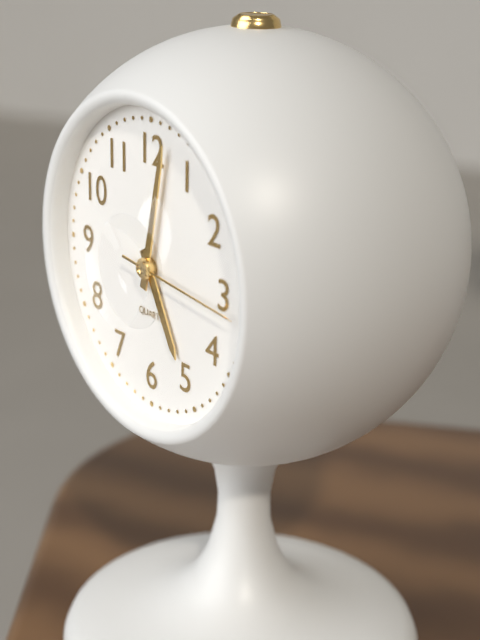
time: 5:02:16
